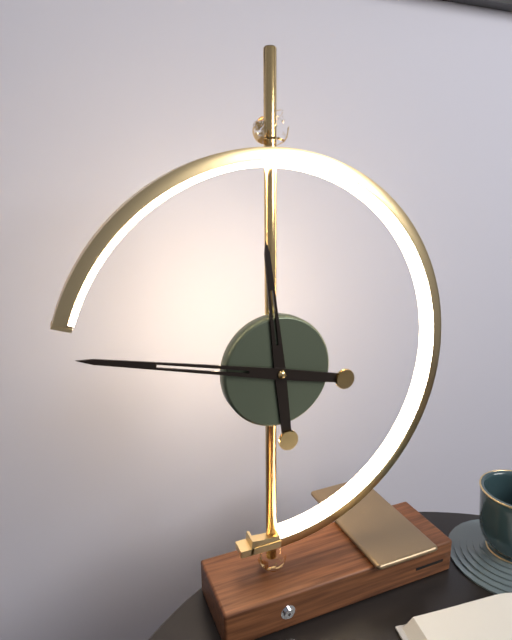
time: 11:47
